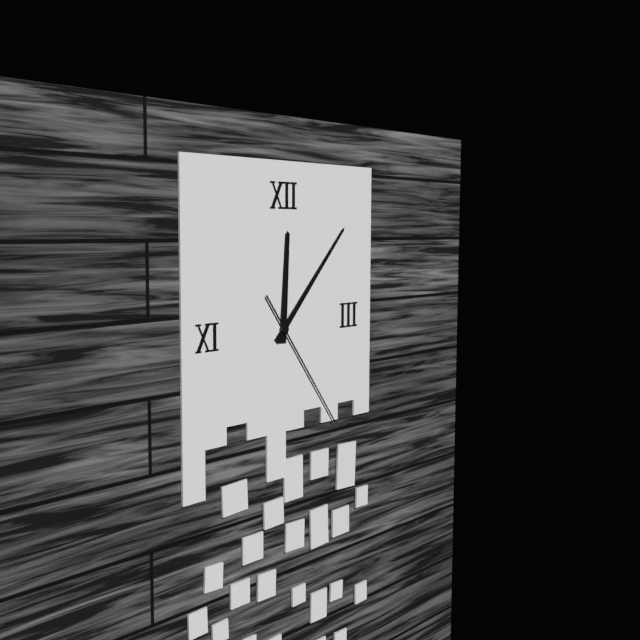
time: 12:07:24
